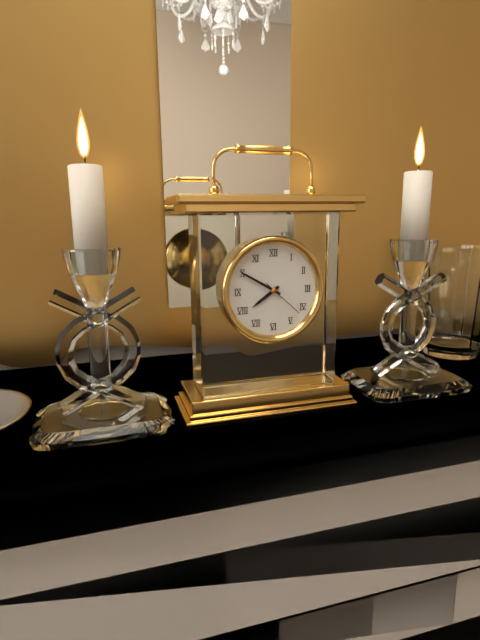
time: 7:50
